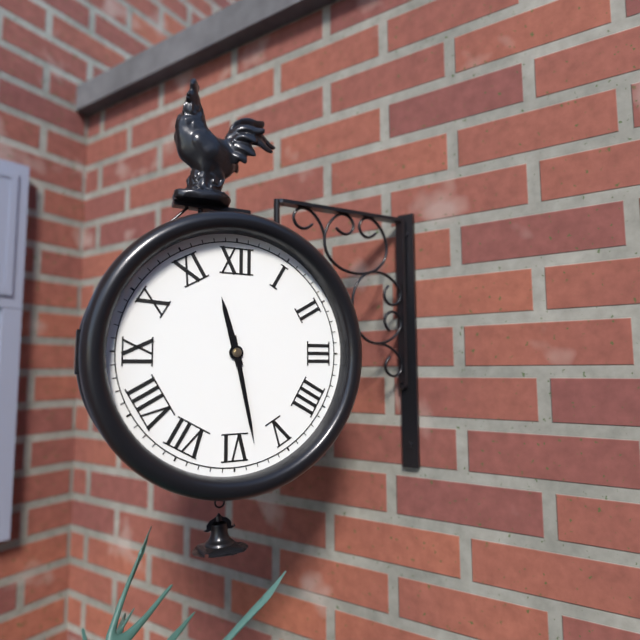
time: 11:28
